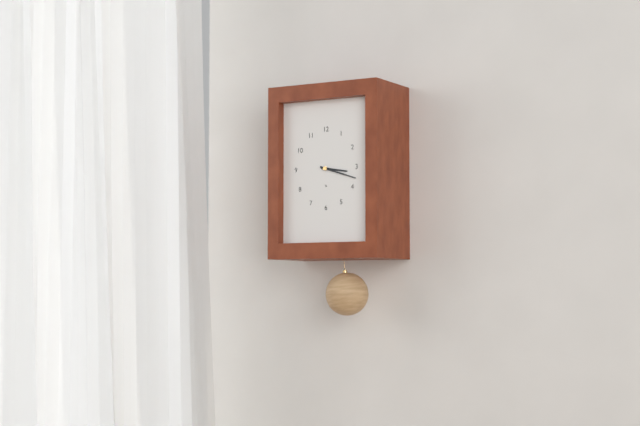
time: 3:18
